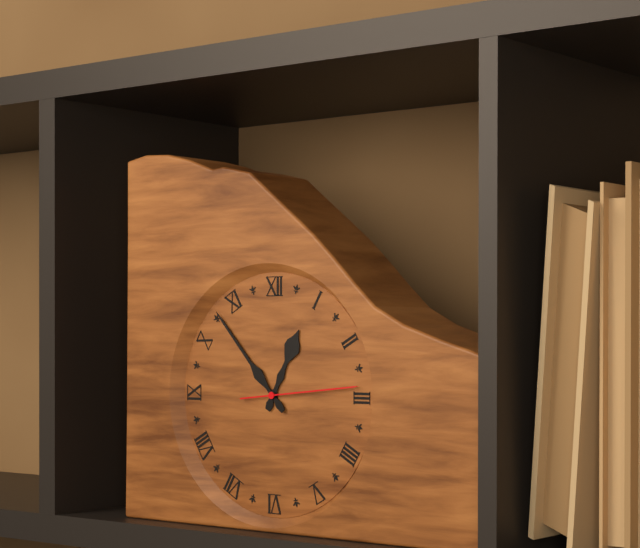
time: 12:53:14
